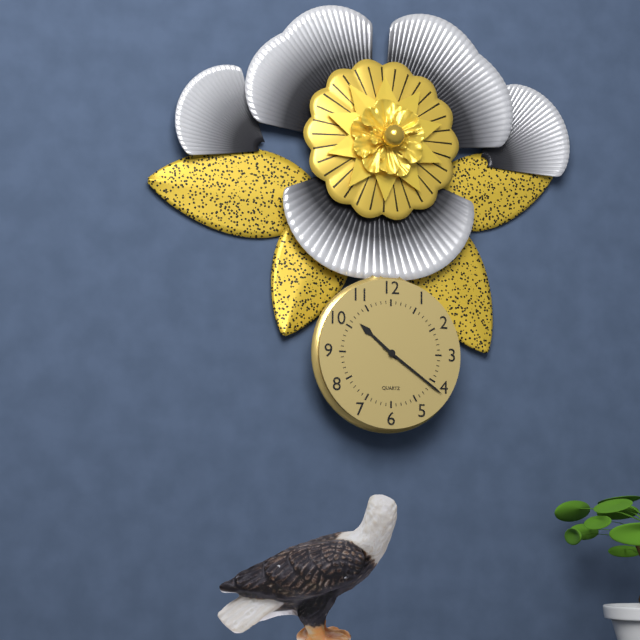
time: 10:21
